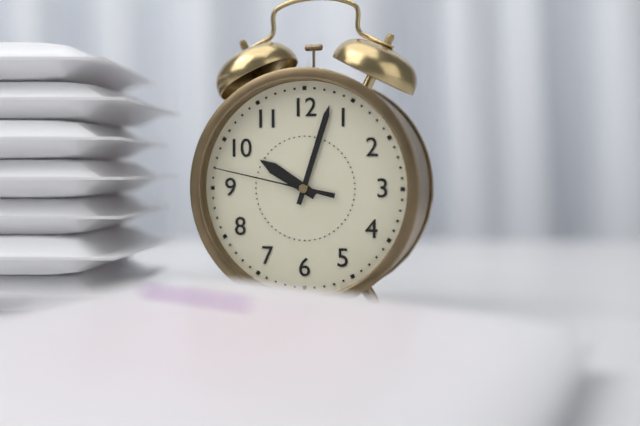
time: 10:03:47
